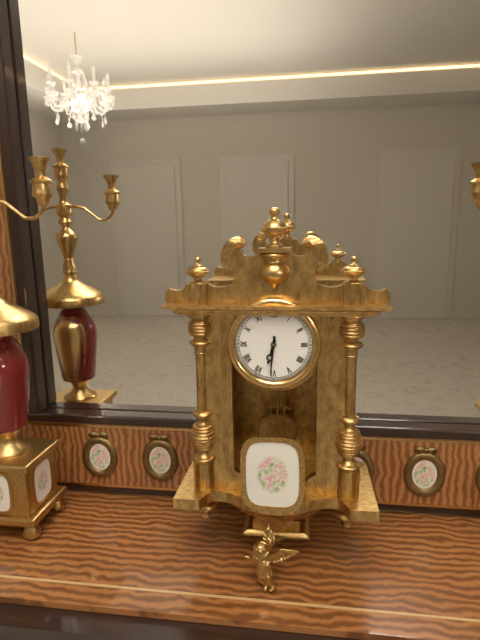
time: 6:31
